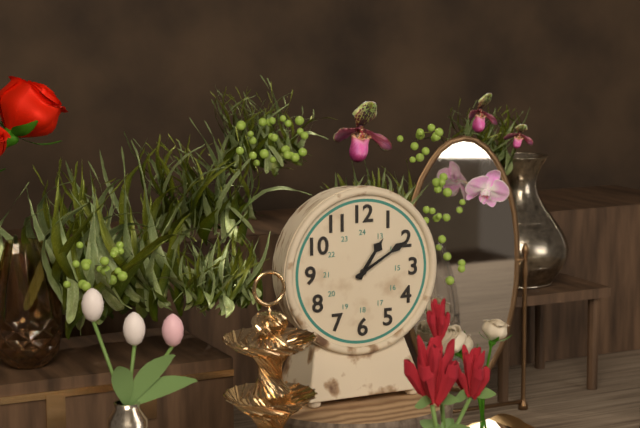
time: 1:10
